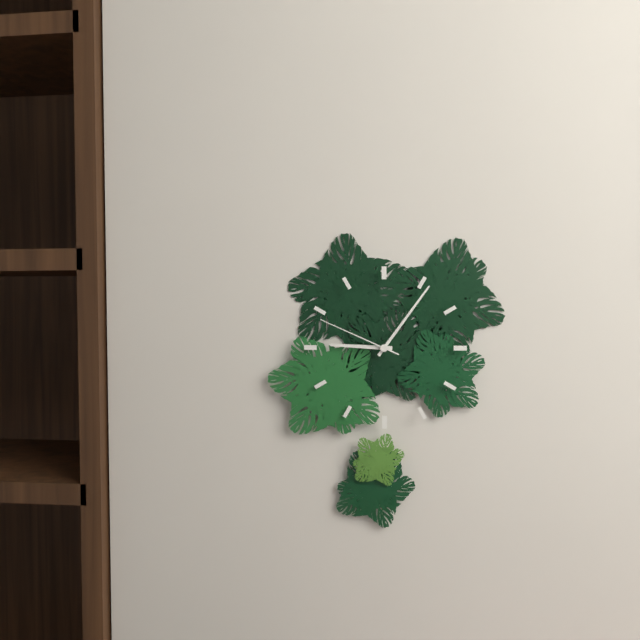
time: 9:06:49
